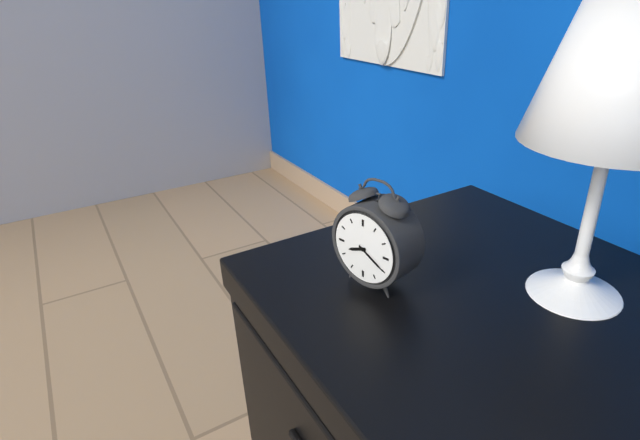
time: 8:20
